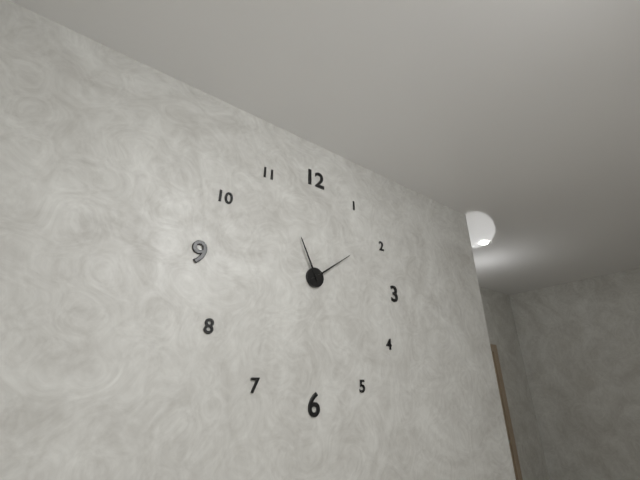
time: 11:09
